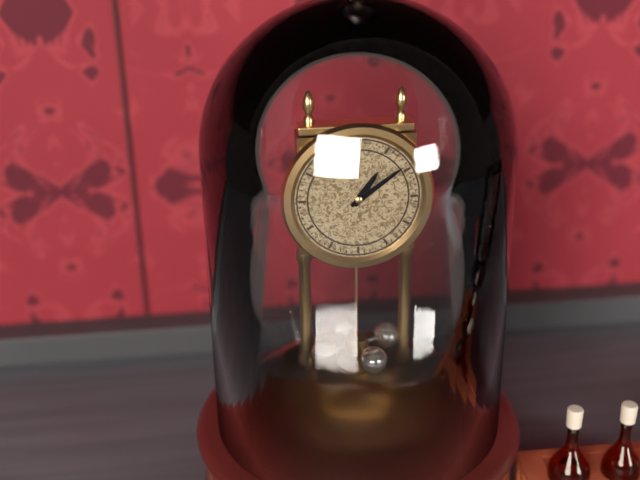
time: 1:09
